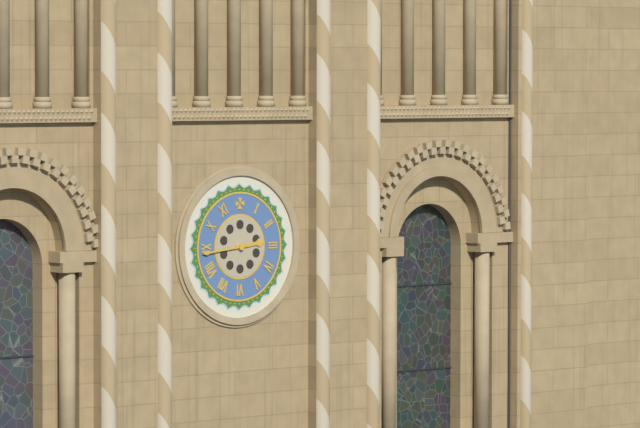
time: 2:44
